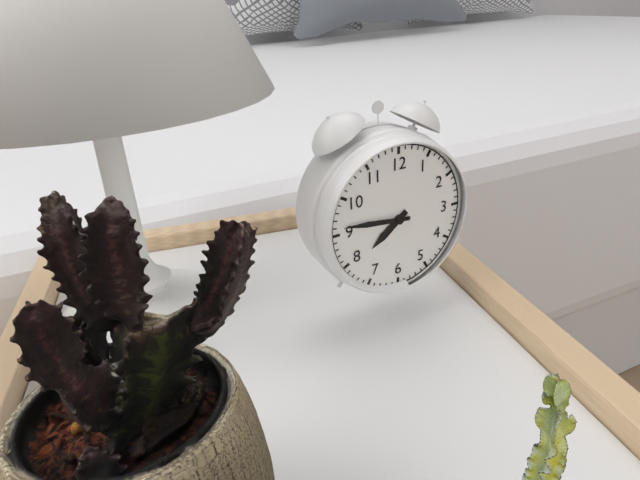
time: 7:46
